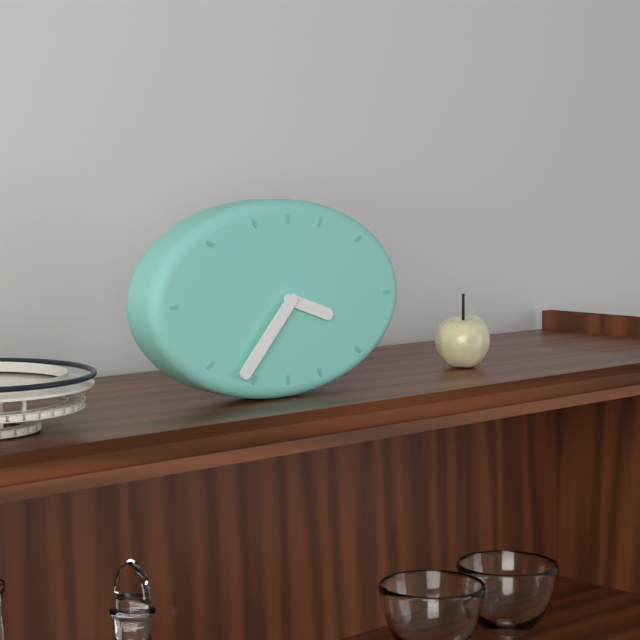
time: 3:37
